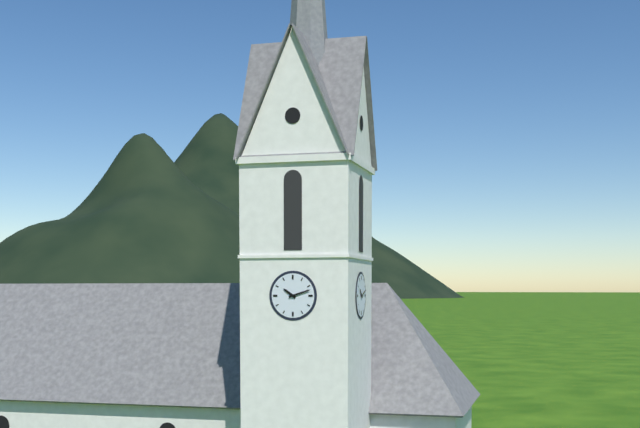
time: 10:12
